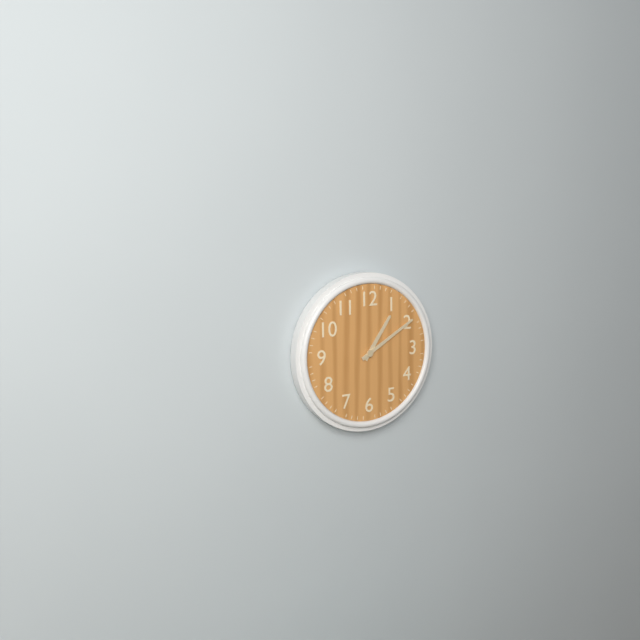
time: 1:10
